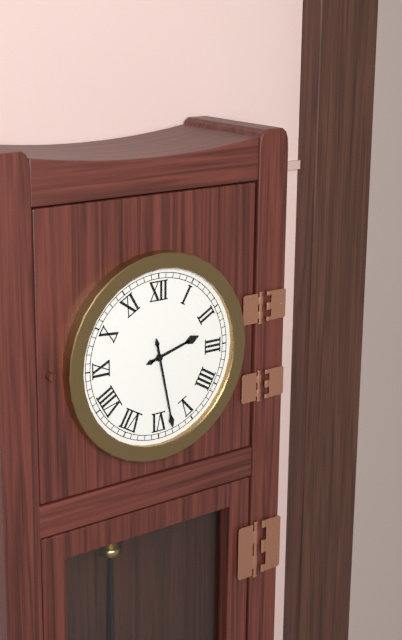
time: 2:28
